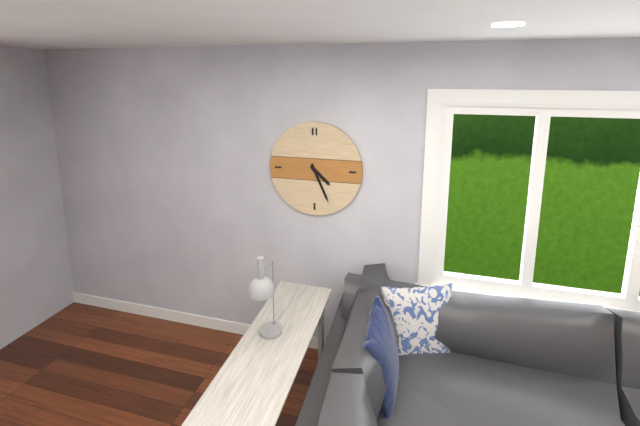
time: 4:26
